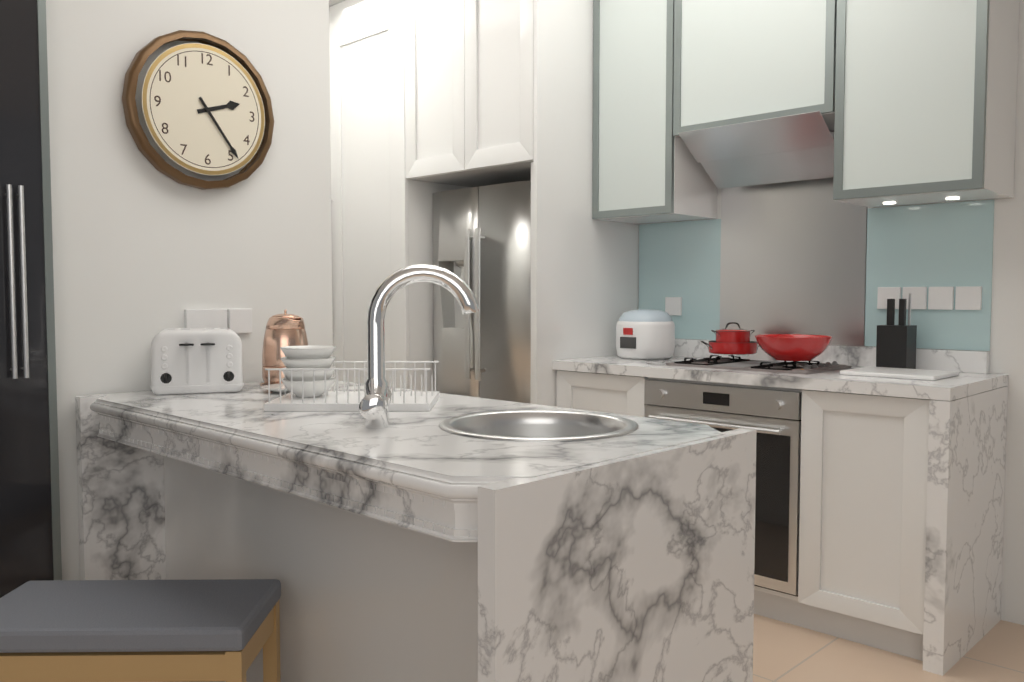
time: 2:24
